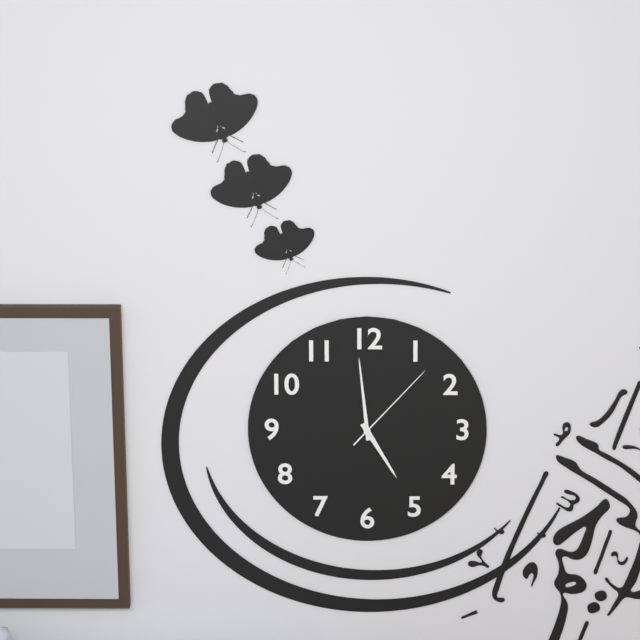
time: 4:59:07
